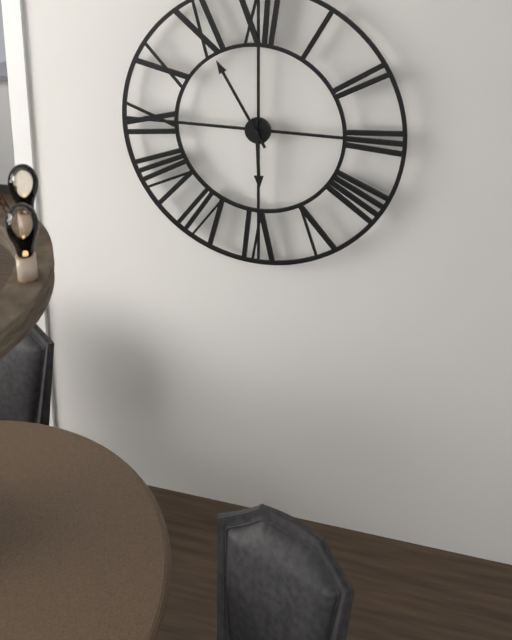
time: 5:55
